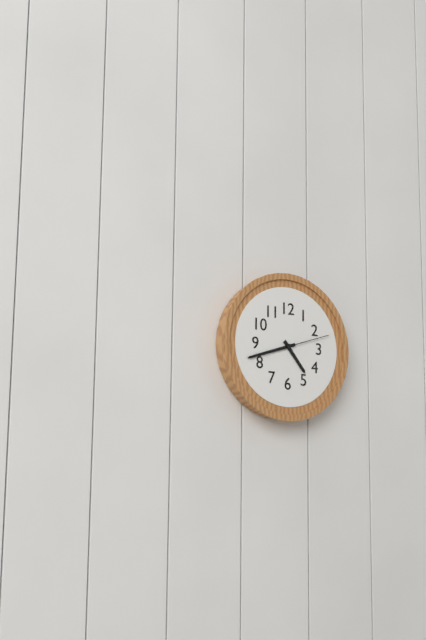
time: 4:42:12
